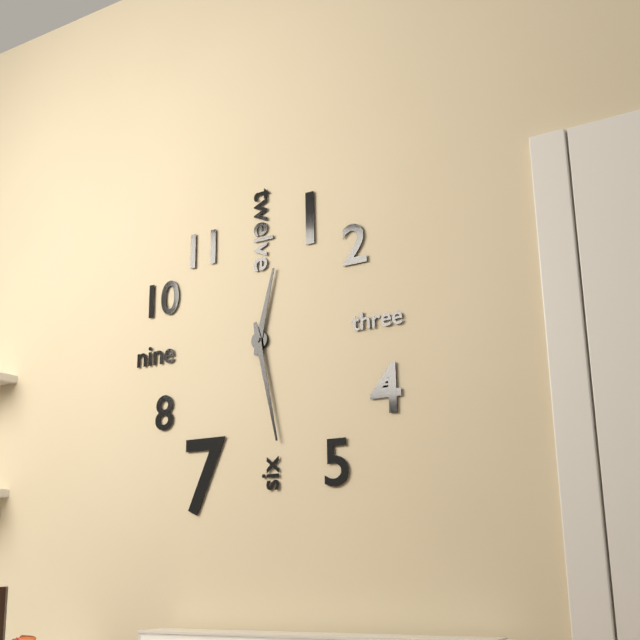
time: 12:28
